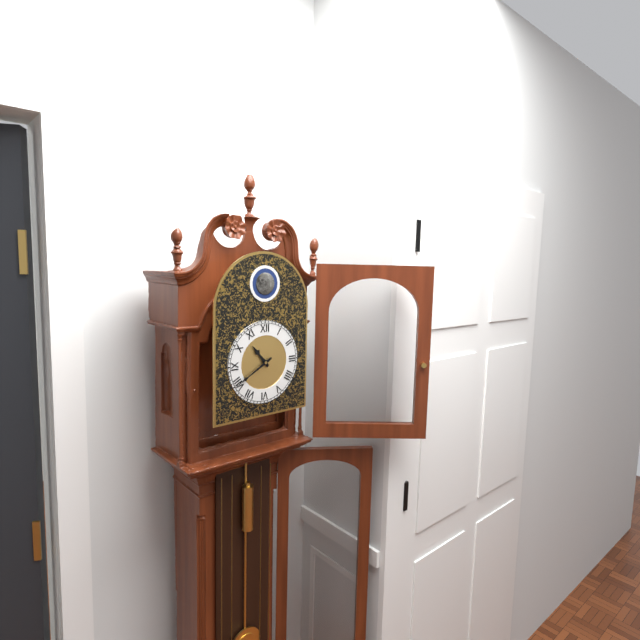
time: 10:40
